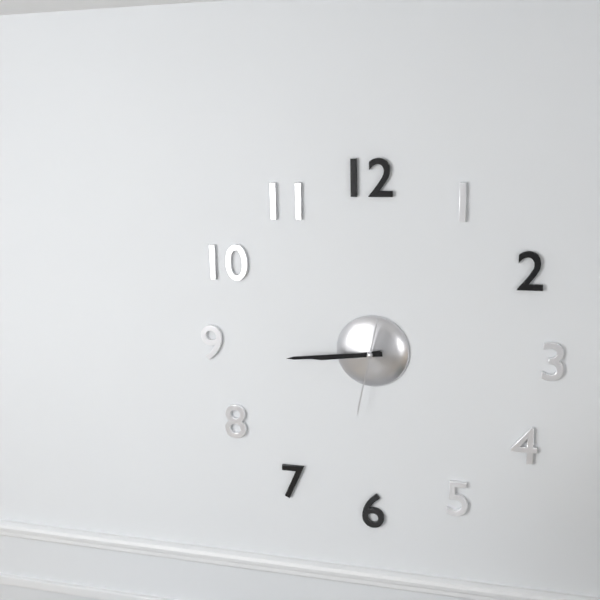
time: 8:44:32
